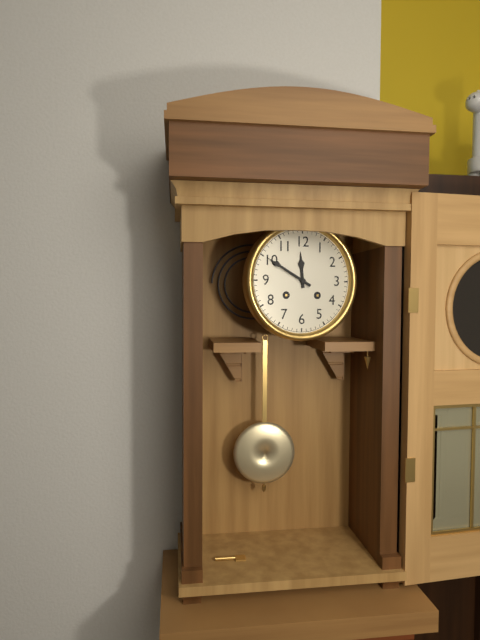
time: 11:50
